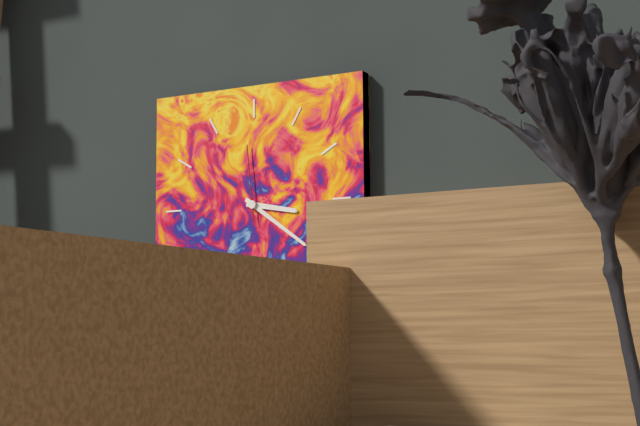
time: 3:21:59
